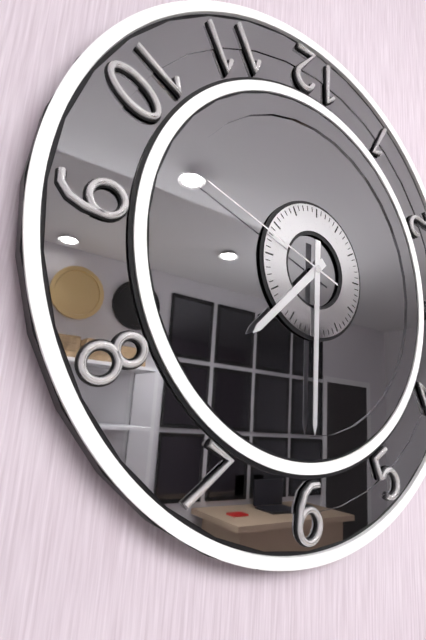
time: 7:30:48
